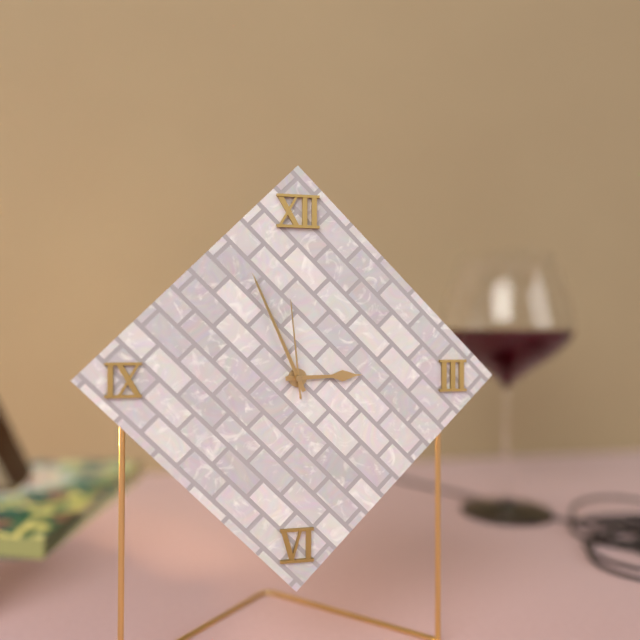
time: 2:56:59
